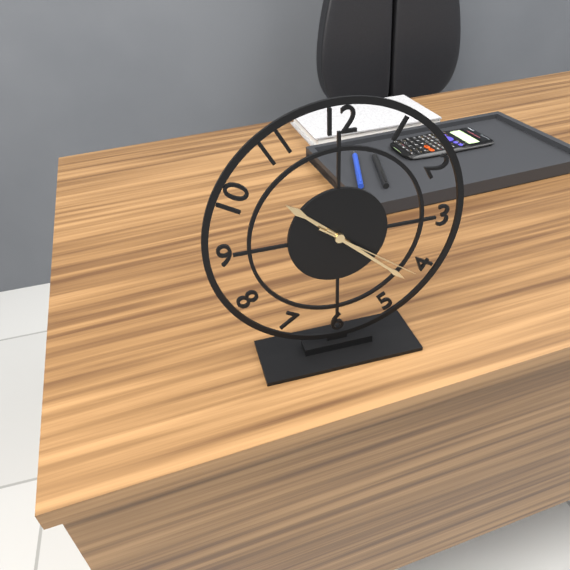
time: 10:22:21
